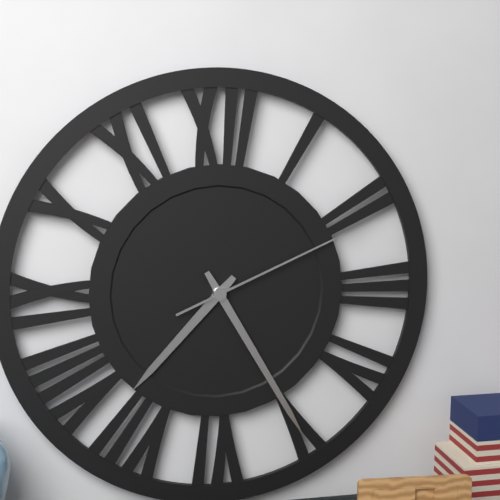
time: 7:25:11
